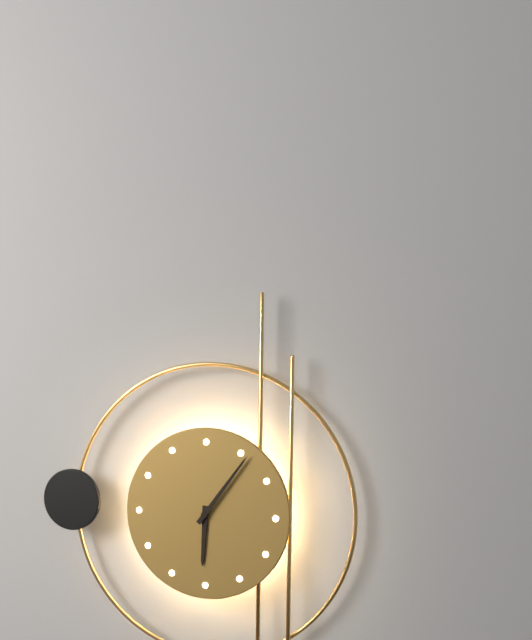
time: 6:06
